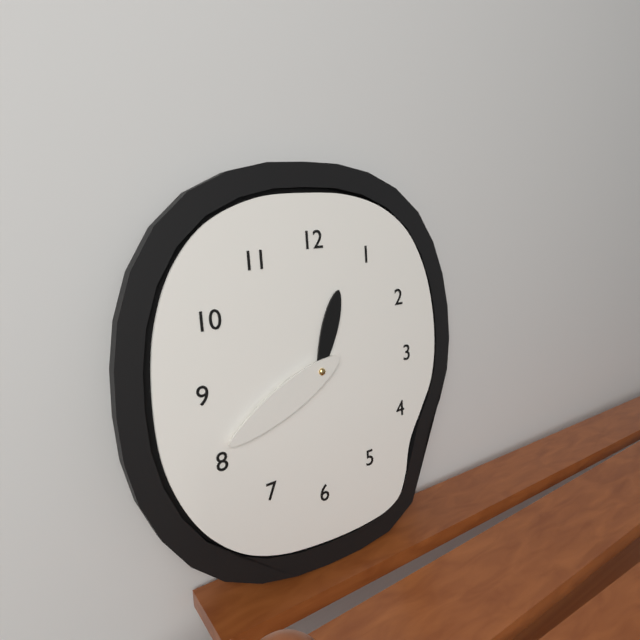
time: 12:41
